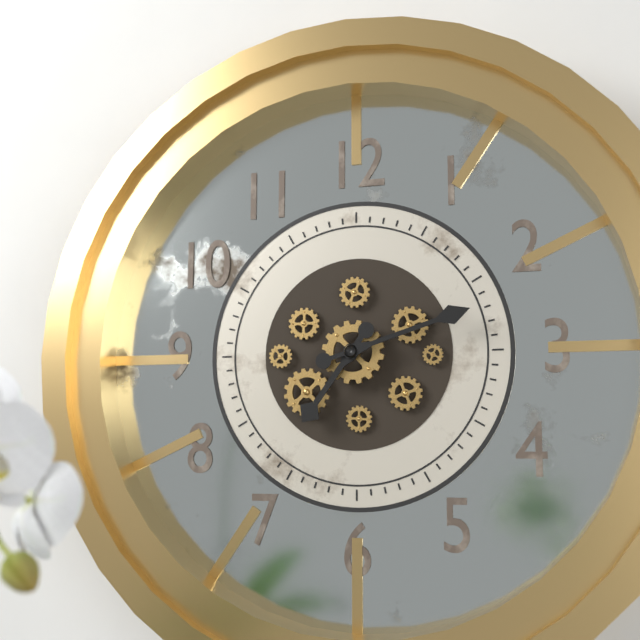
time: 7:12
